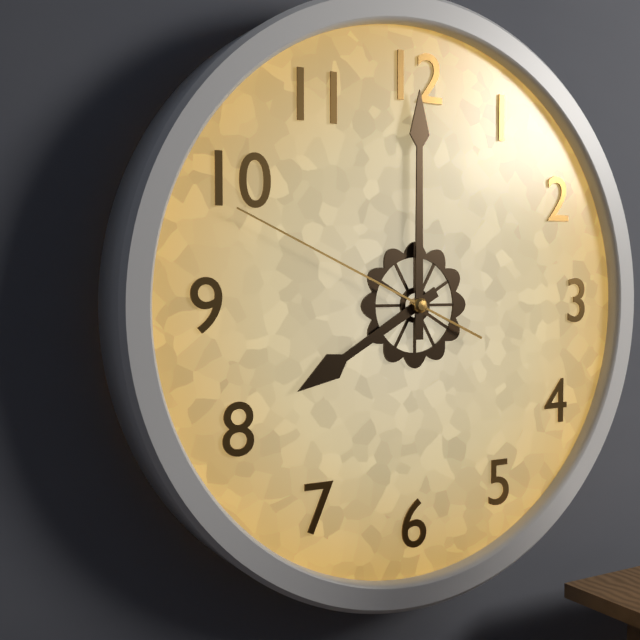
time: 8:00:49
